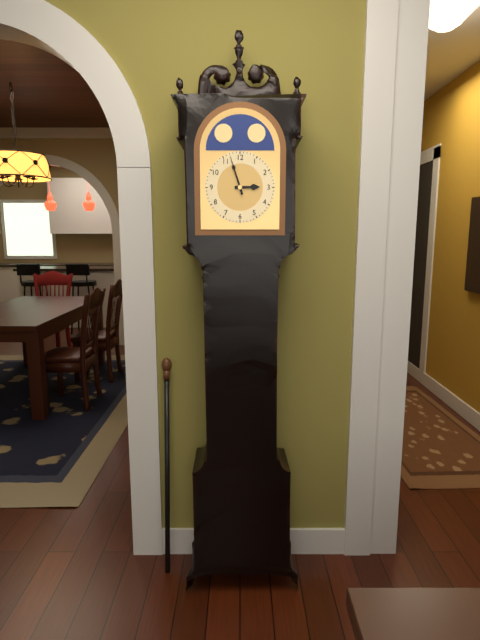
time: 2:57
